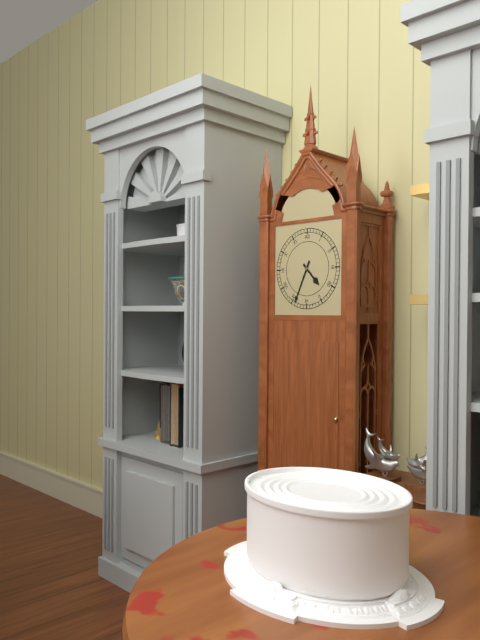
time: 4:34
